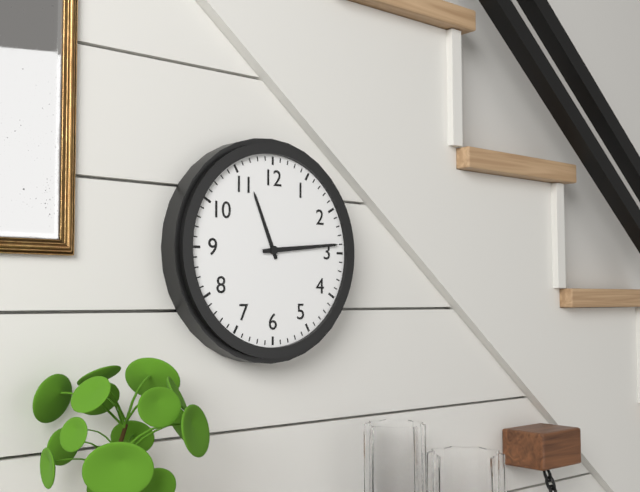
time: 11:14
